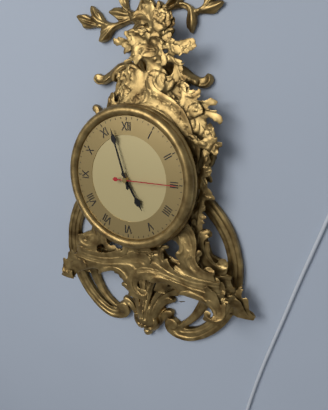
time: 4:57
